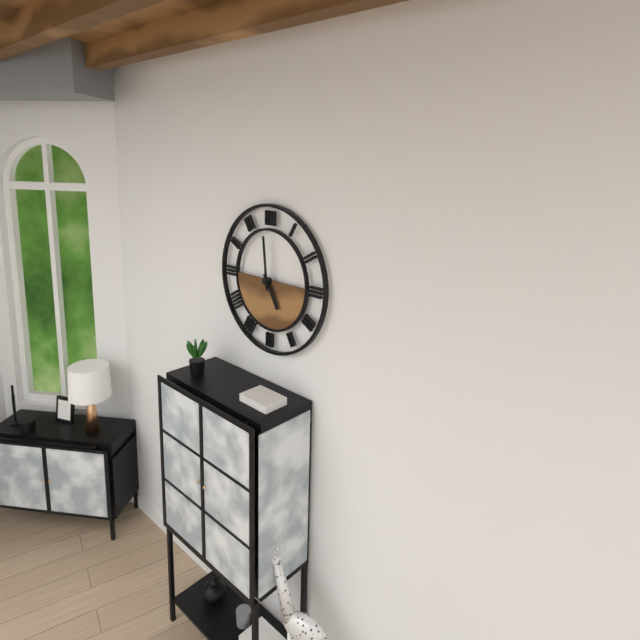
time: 4:59
